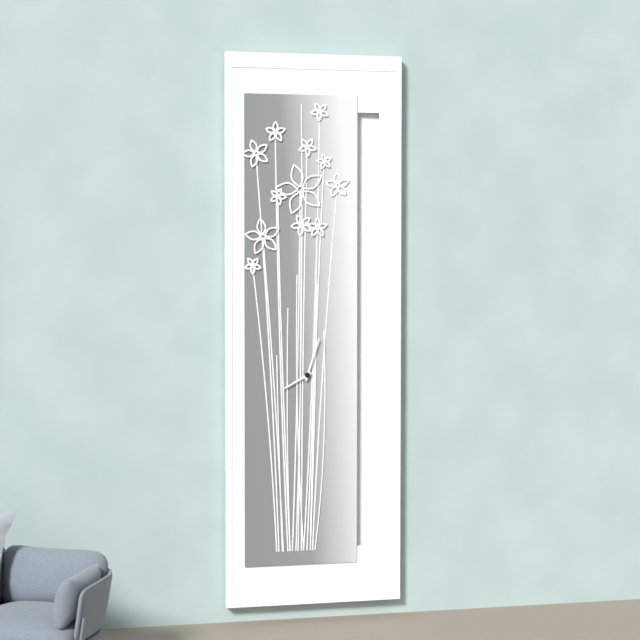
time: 8:03
